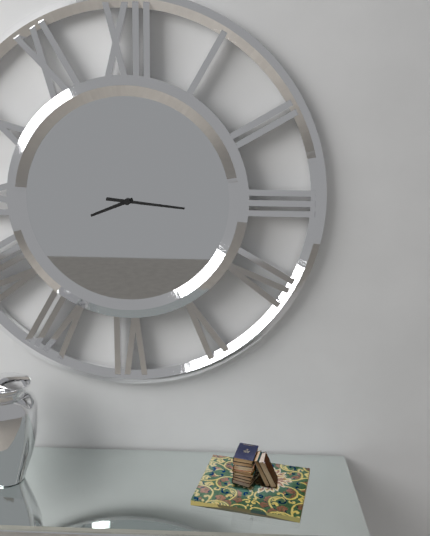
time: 8:16
